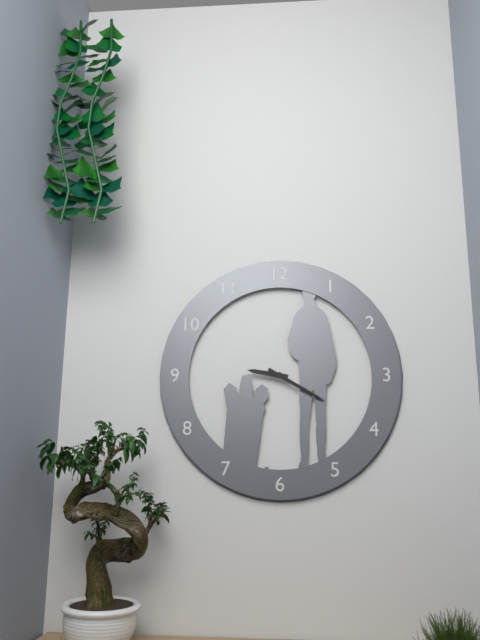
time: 9:20
